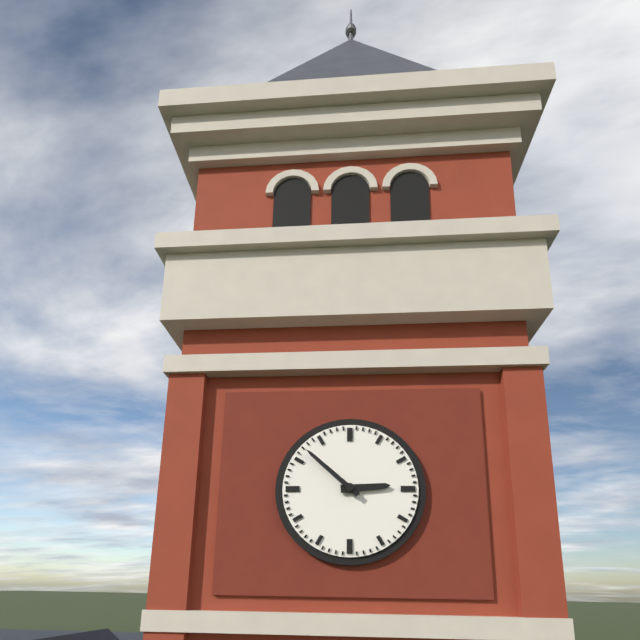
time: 2:52
